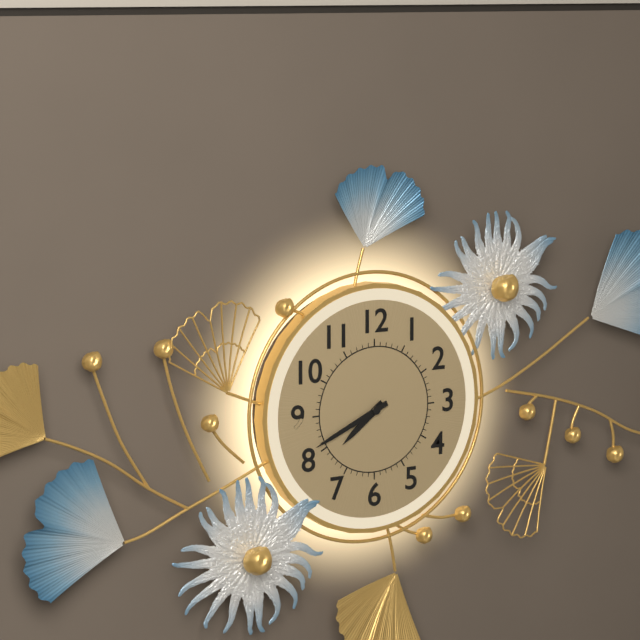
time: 7:41
